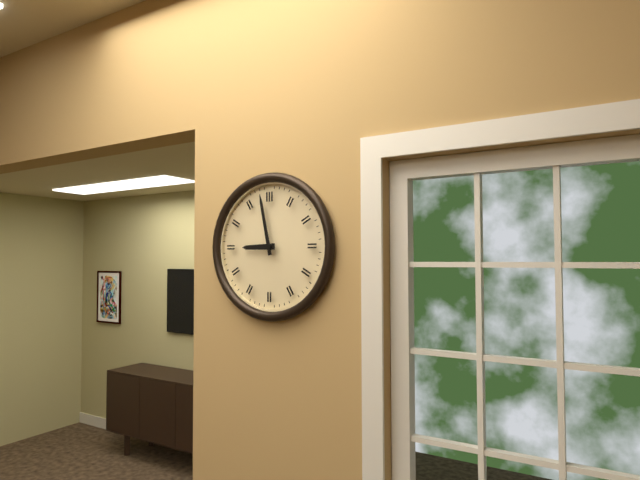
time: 8:58
